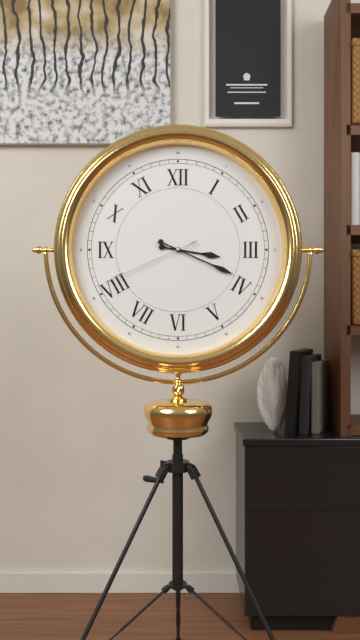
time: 3:19:41
